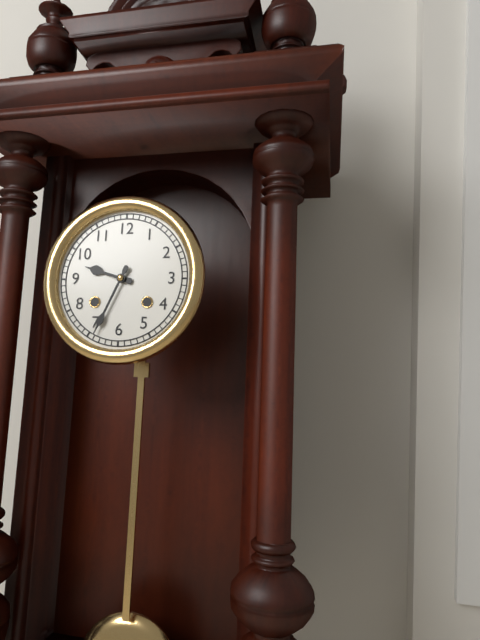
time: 9:34
